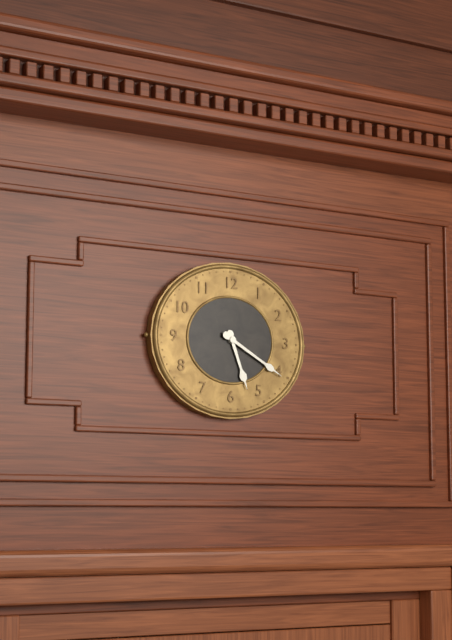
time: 5:20
